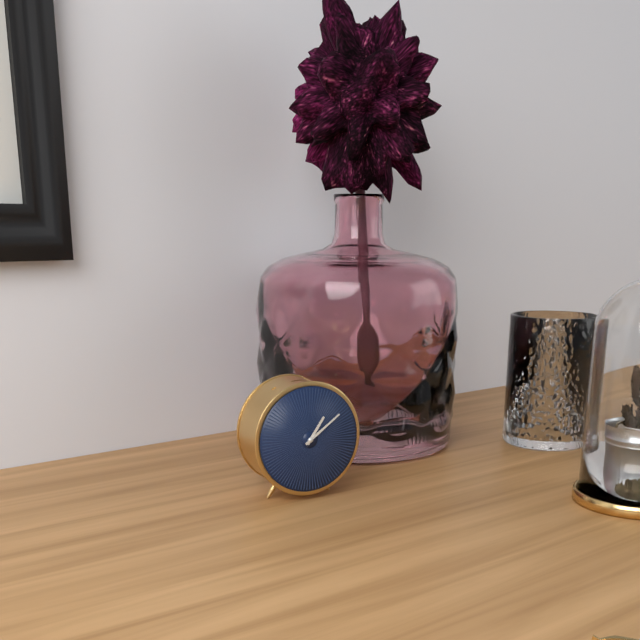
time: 1:09
